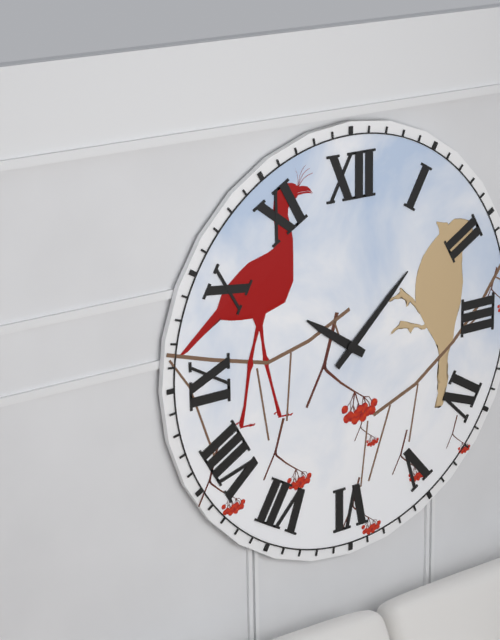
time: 10:08
